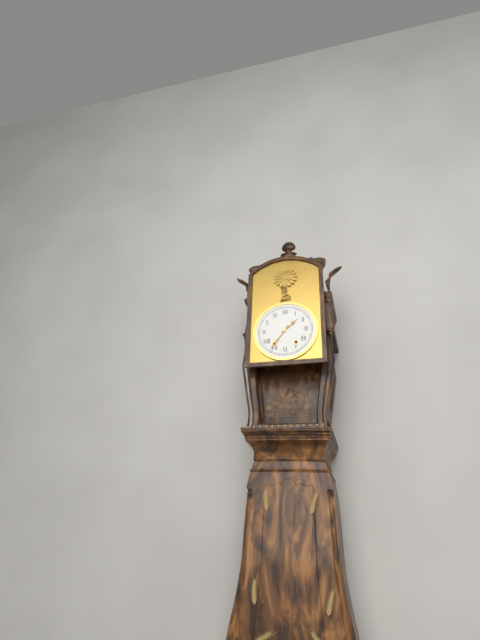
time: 1:36
